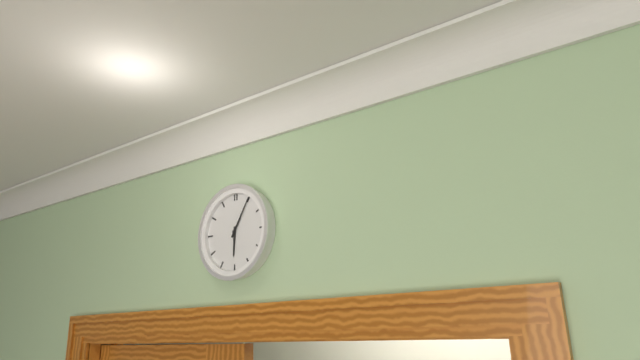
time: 6:05
